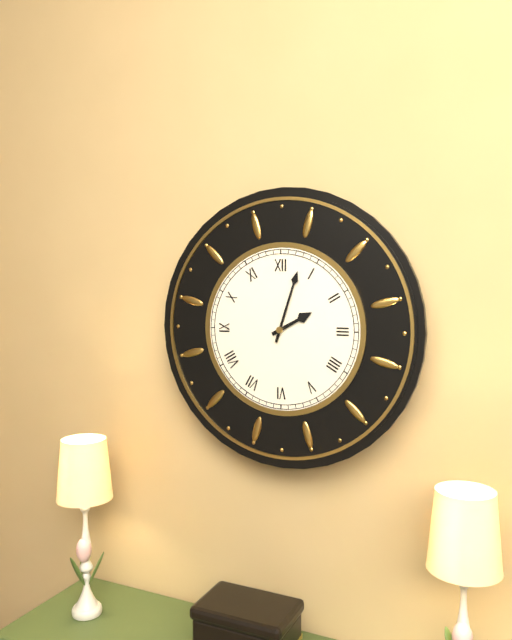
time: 2:03
